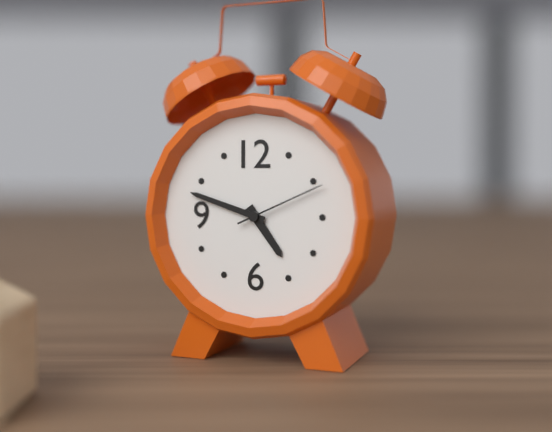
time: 4:48:11
